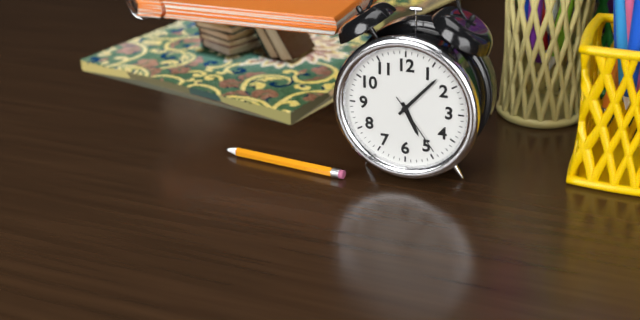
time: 5:07:24
